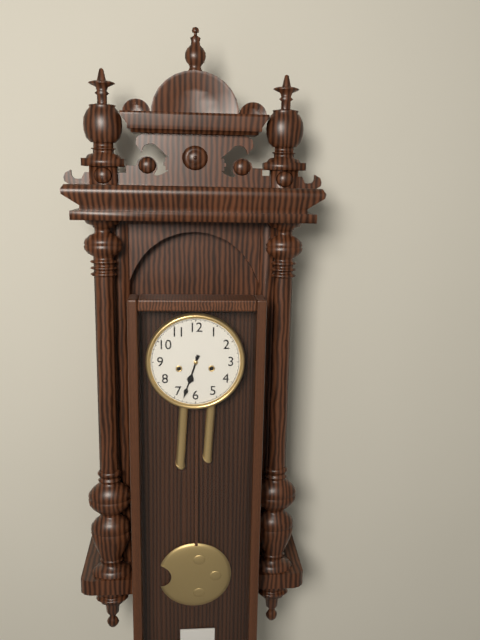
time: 6:33
